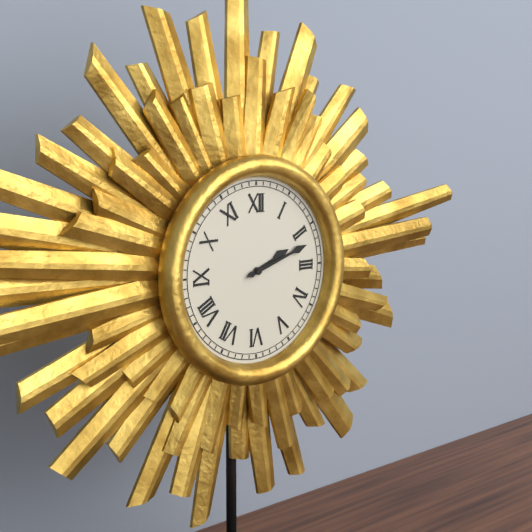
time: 2:12
